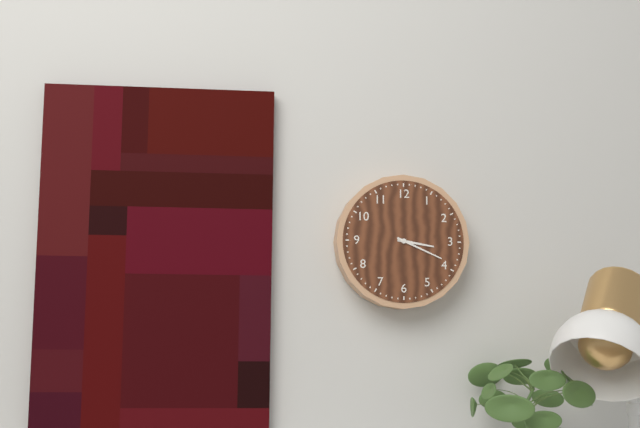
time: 3:19
